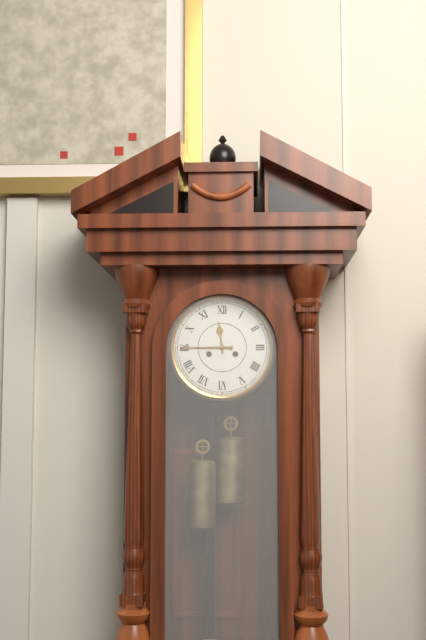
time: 11:45
